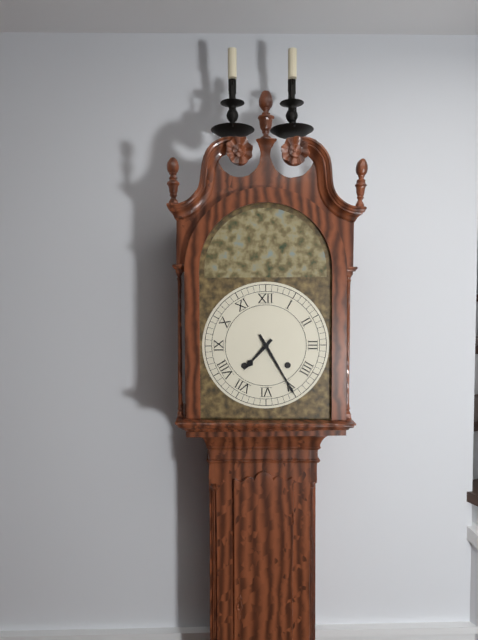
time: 7:25
